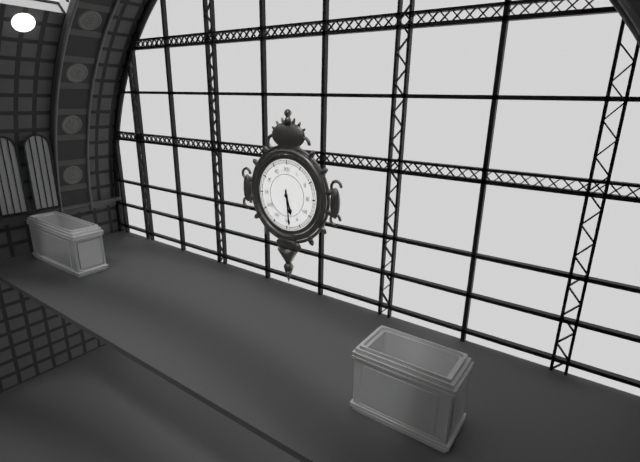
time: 5:29
